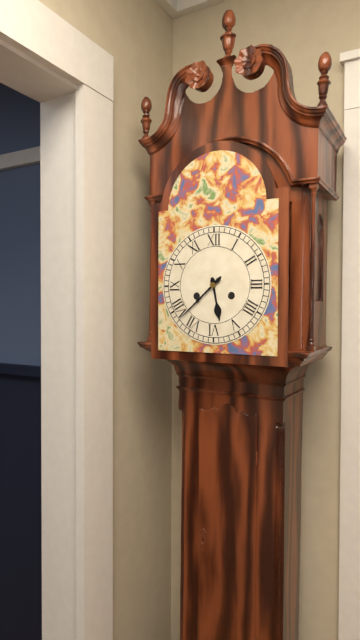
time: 5:38
